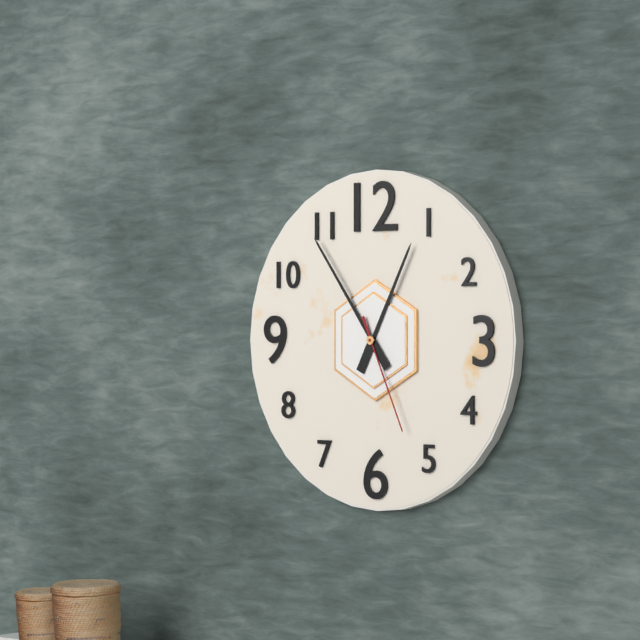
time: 12:54:26
